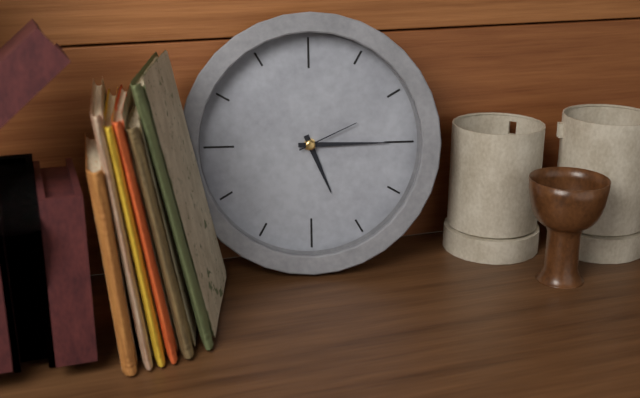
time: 5:15:11
